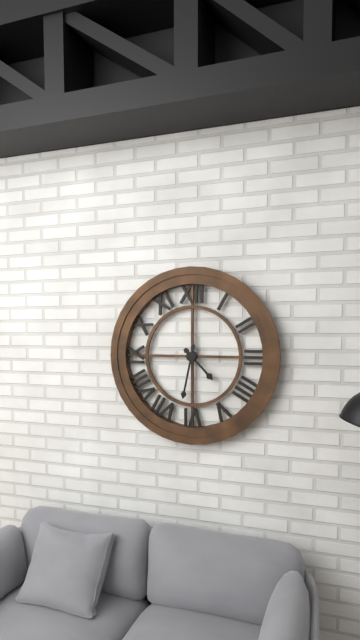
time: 4:32
